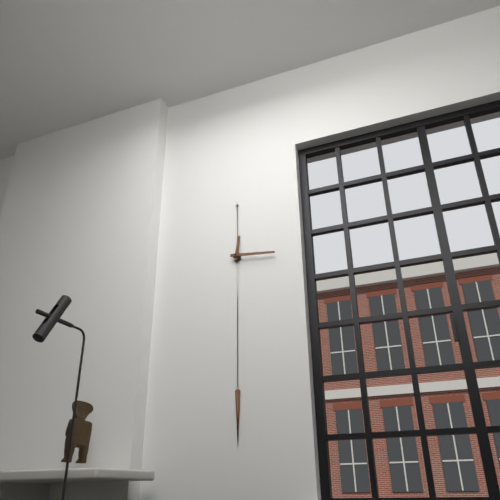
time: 12:16
